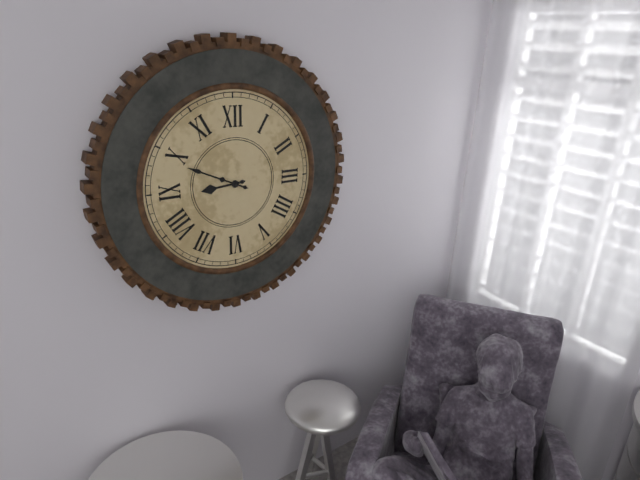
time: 8:49
